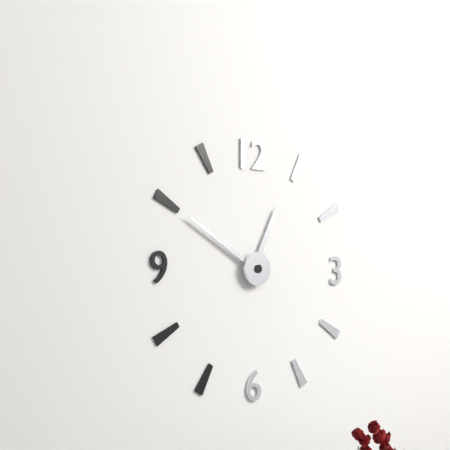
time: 12:50
